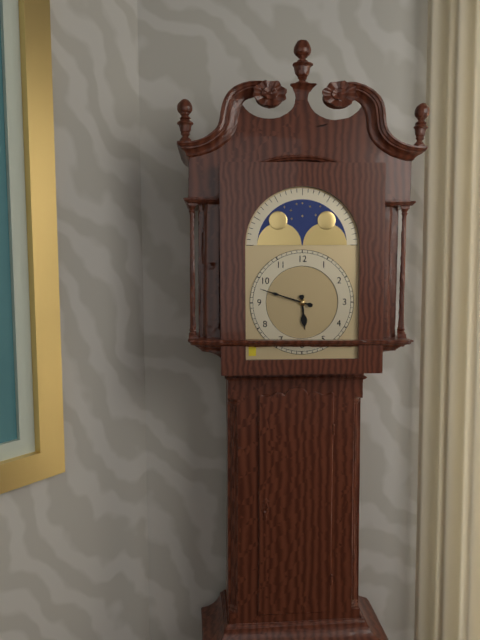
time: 5:48
